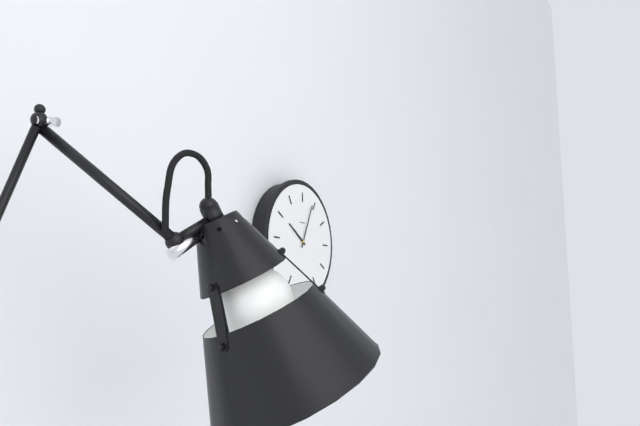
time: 10:04
